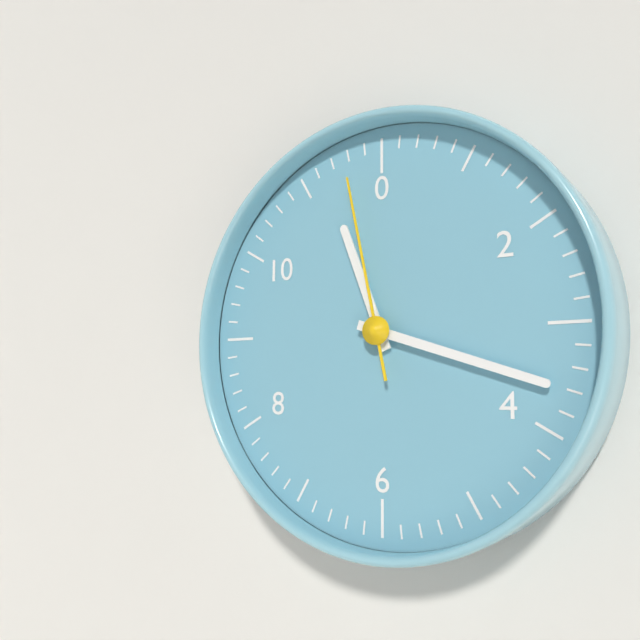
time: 11:18:58
